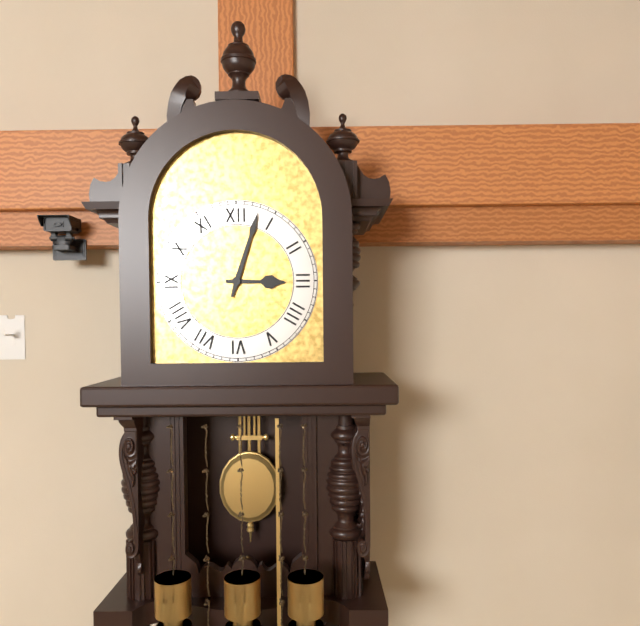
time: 3:03
